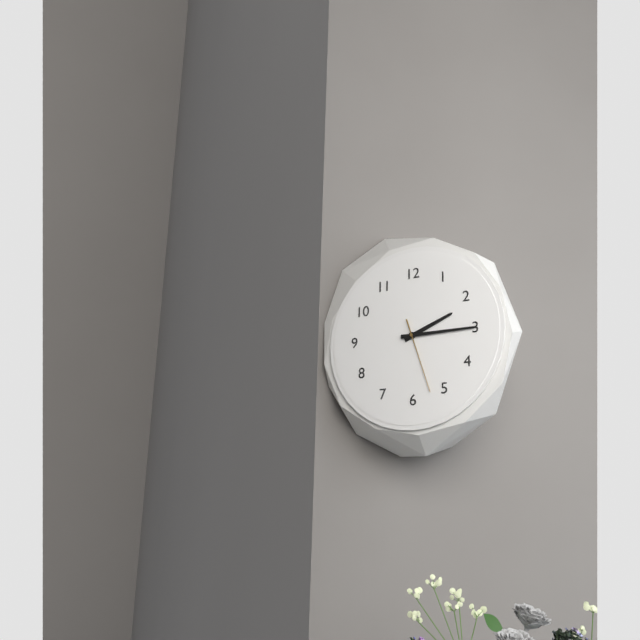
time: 2:15:27
